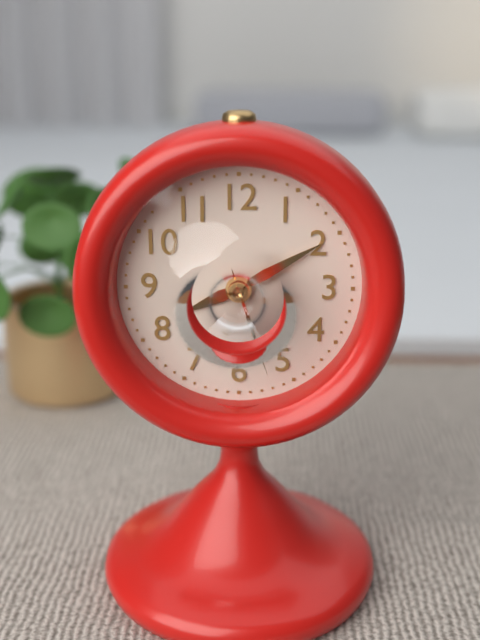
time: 8:10:27
